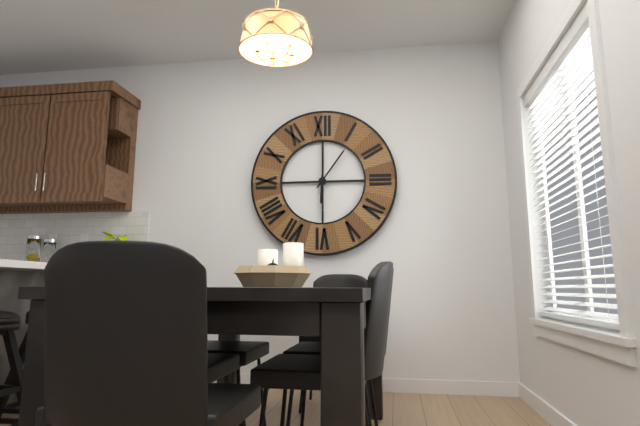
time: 6:06
